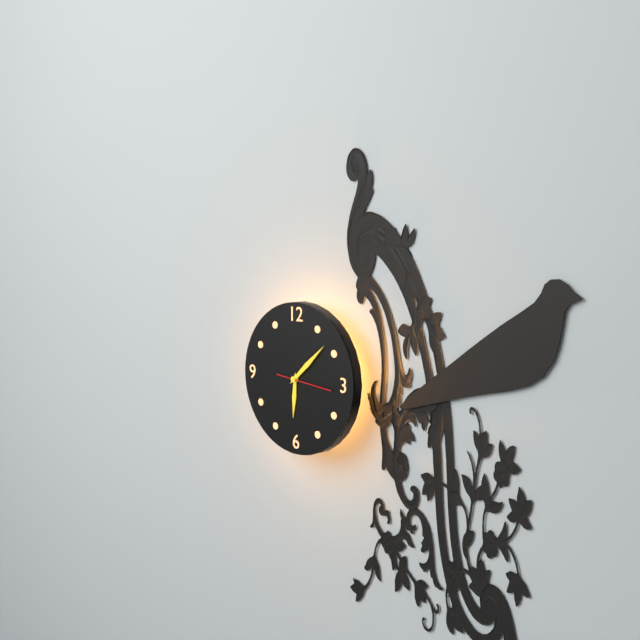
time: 6:08
